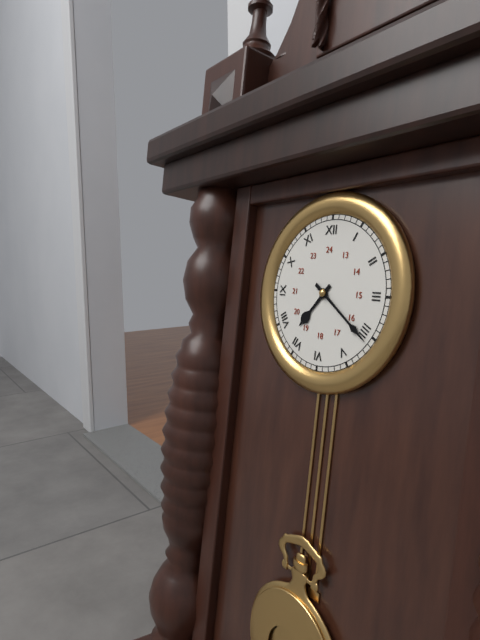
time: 7:21
